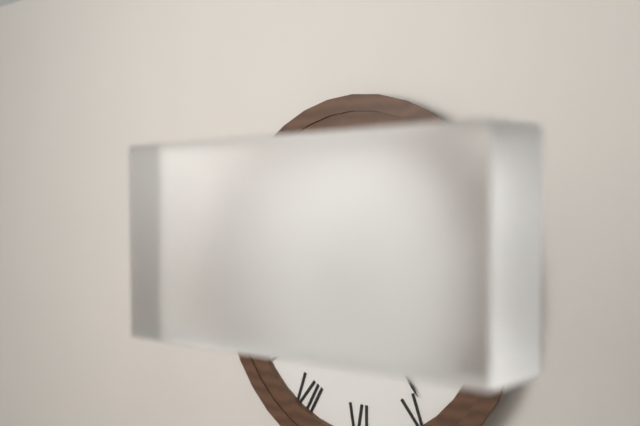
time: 12:24
